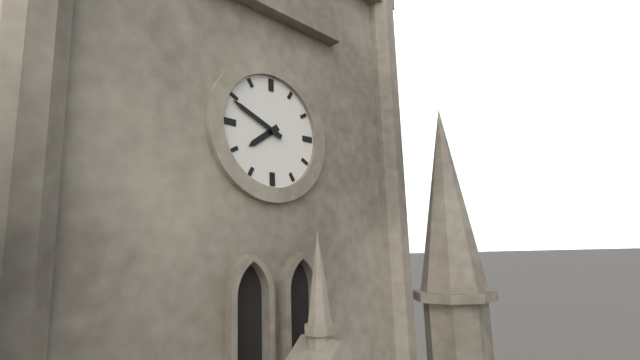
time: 7:49
